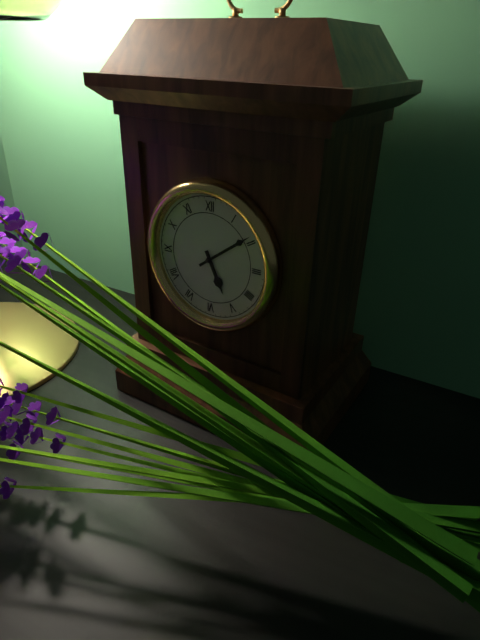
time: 5:09
